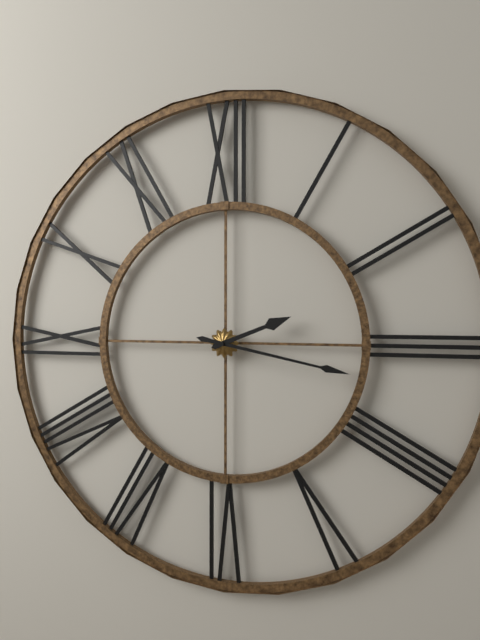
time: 2:17
